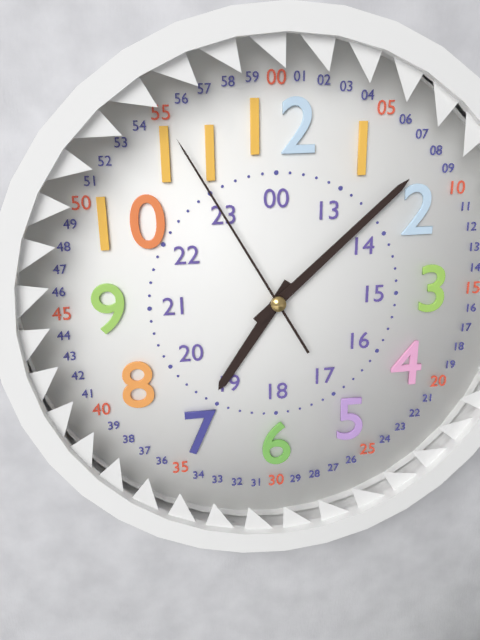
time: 7:08:55
